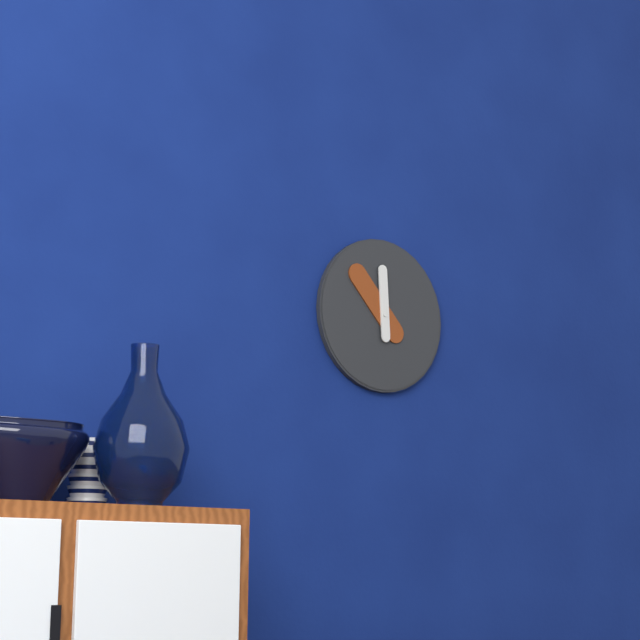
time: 11:53
